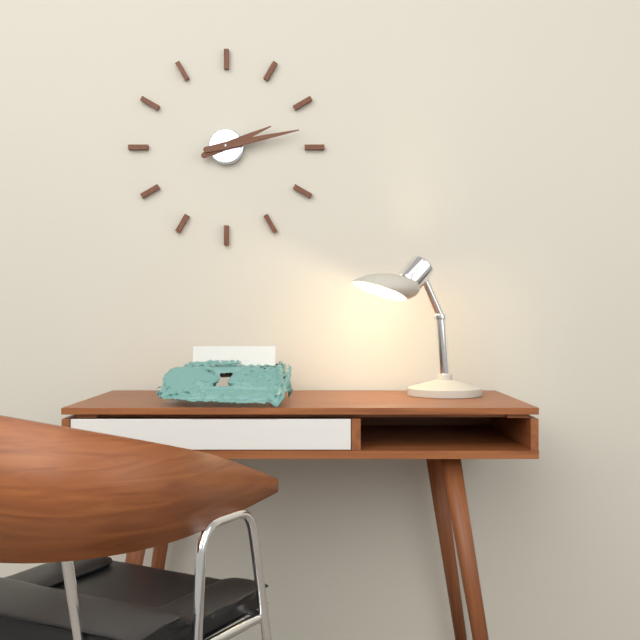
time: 2:13
